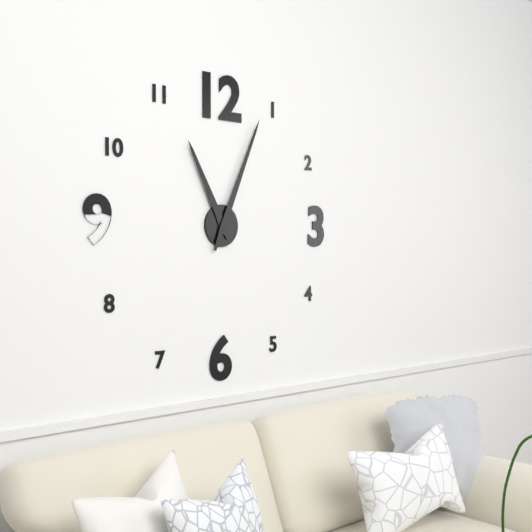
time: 11:04
